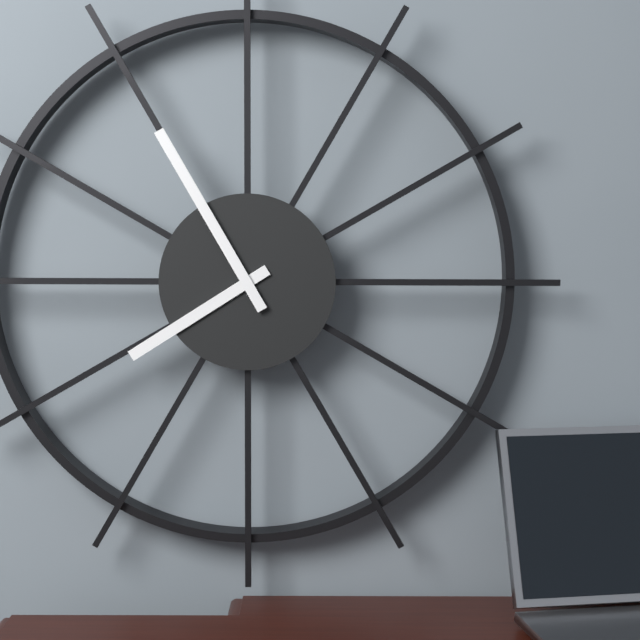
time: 7:55
